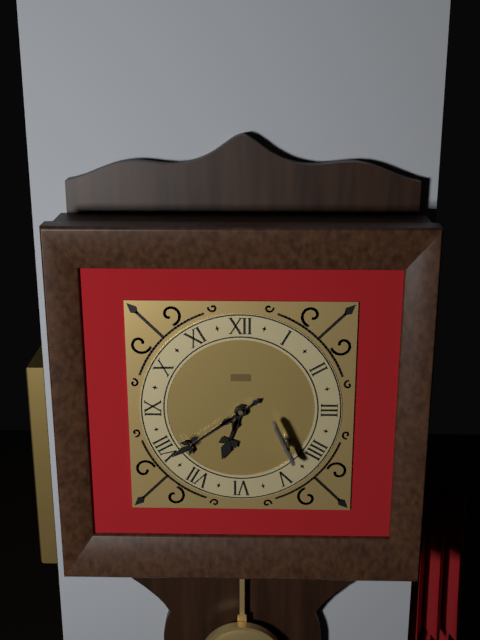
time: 6:39
